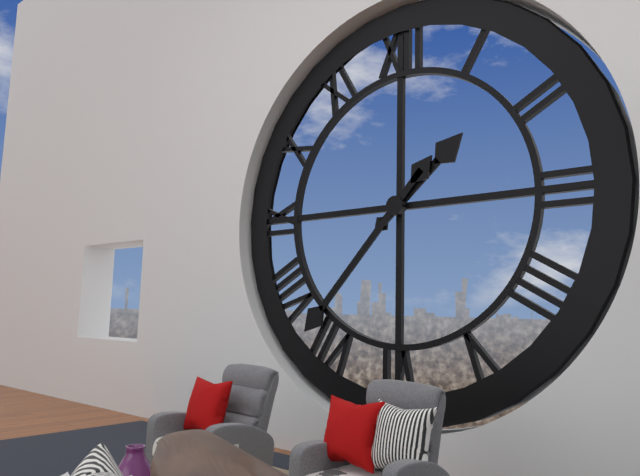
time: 1:37
